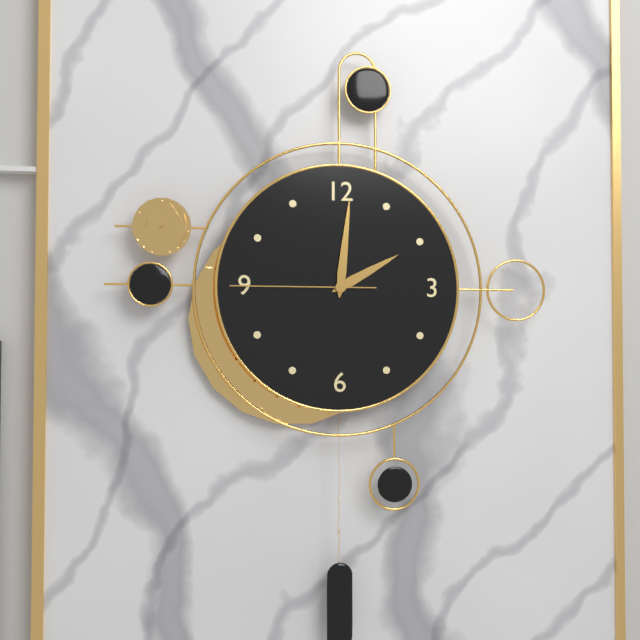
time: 2:01:45
